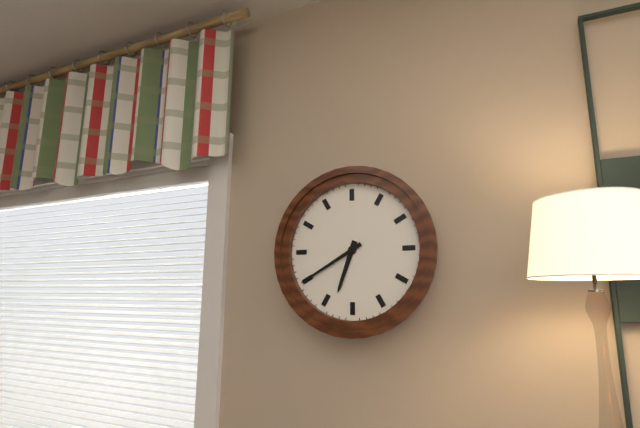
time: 6:40
